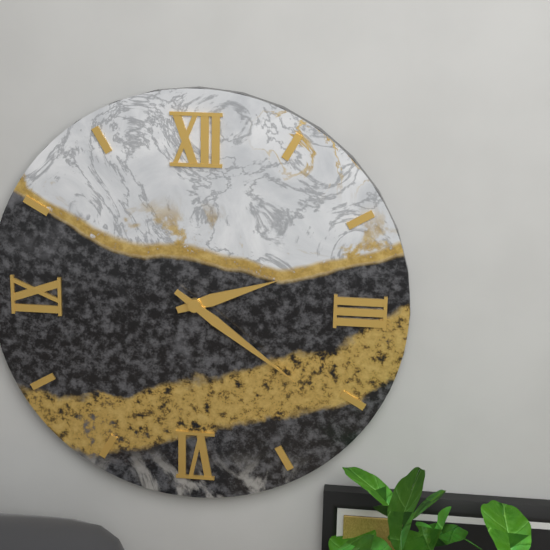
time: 2:21
